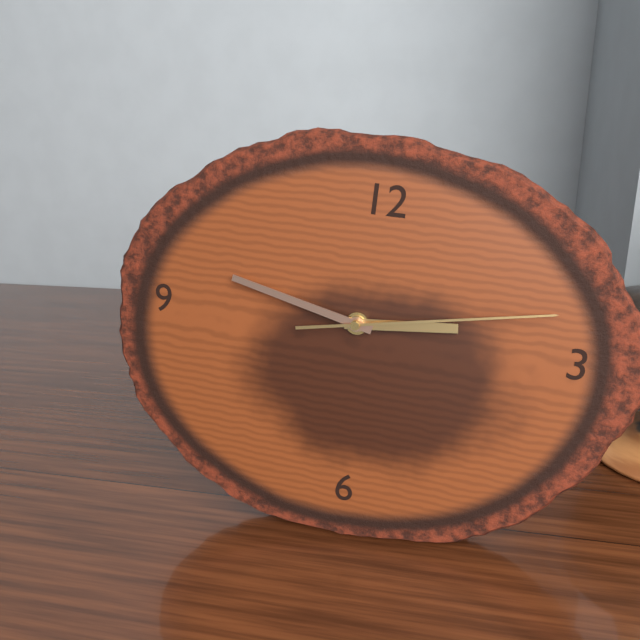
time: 2:47:13
